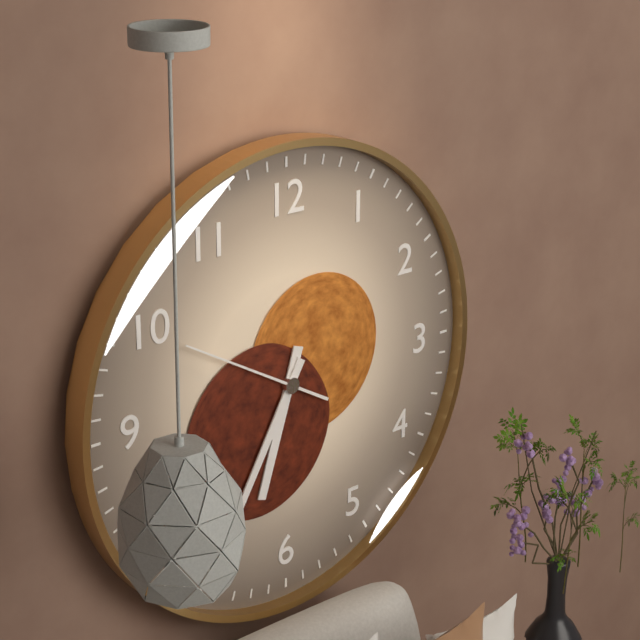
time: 6:35:50
